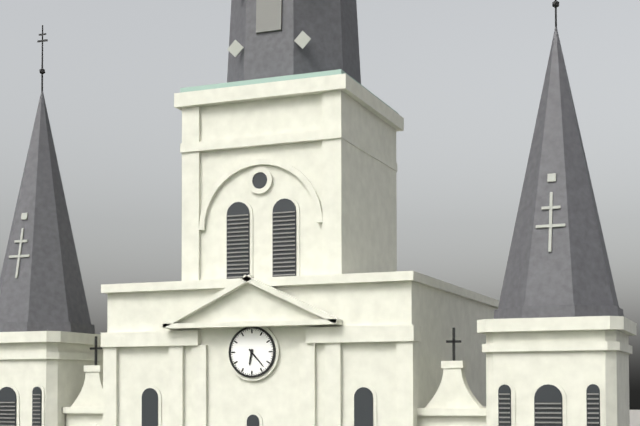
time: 6:23
